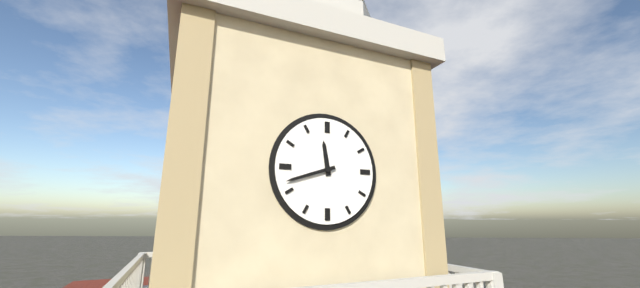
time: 11:42
